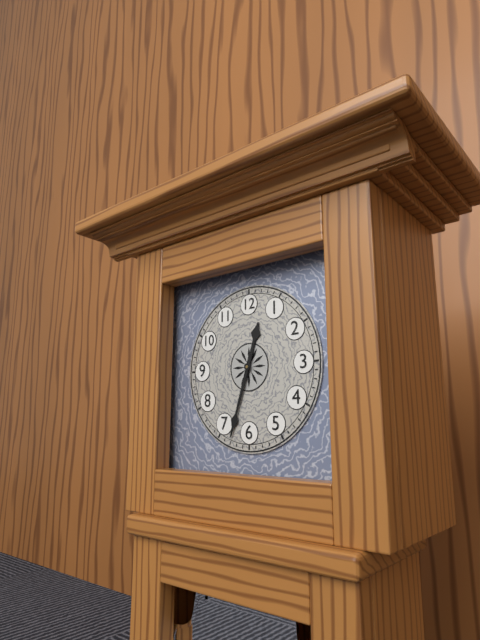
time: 12:33
